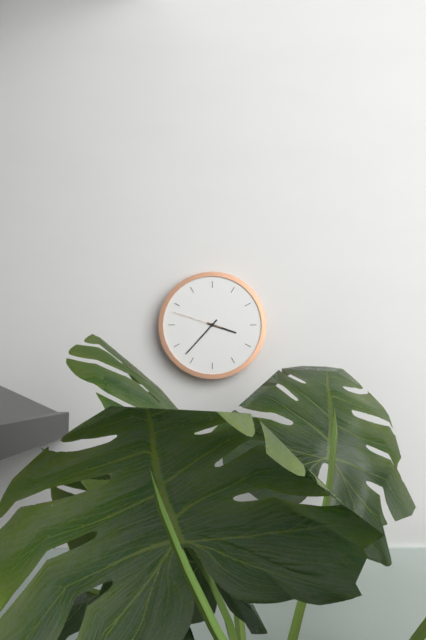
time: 3:37:48
